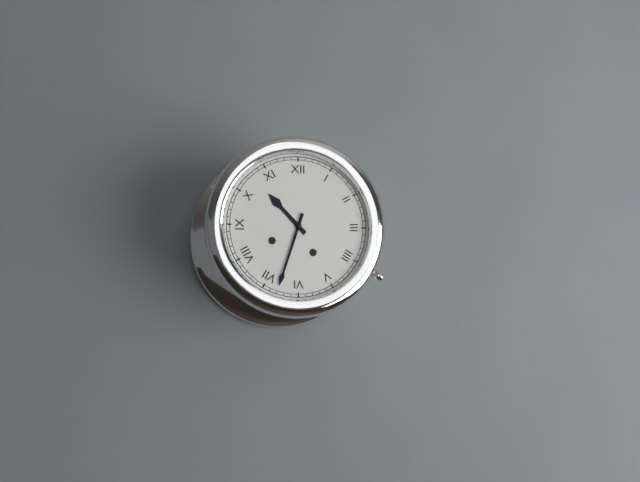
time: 10:33
